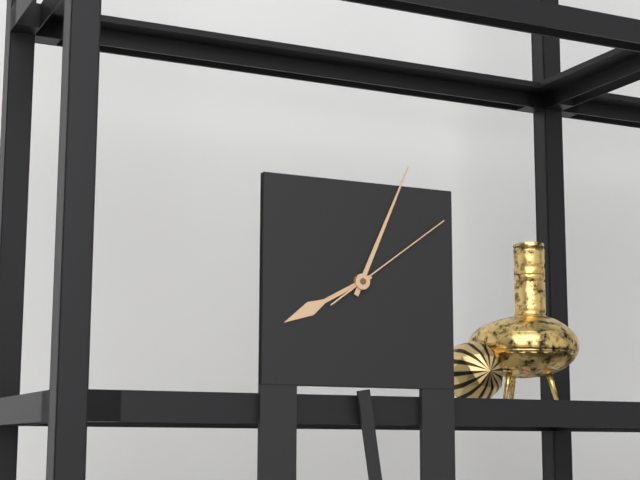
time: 8:04:09
